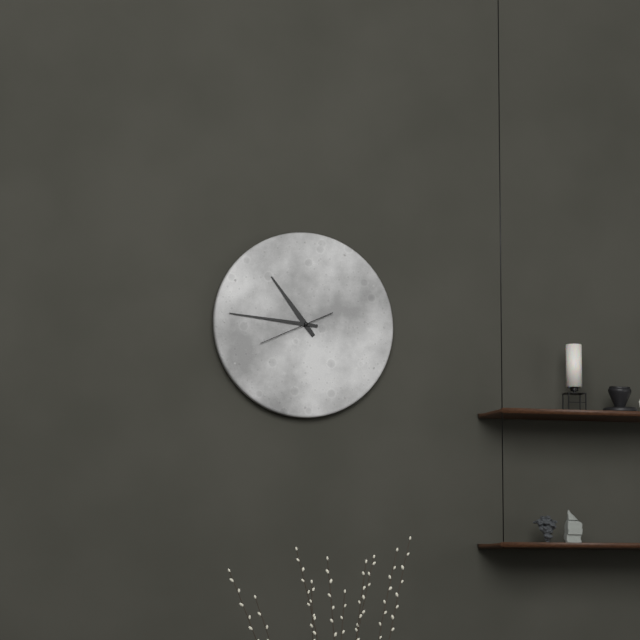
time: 10:46:41
